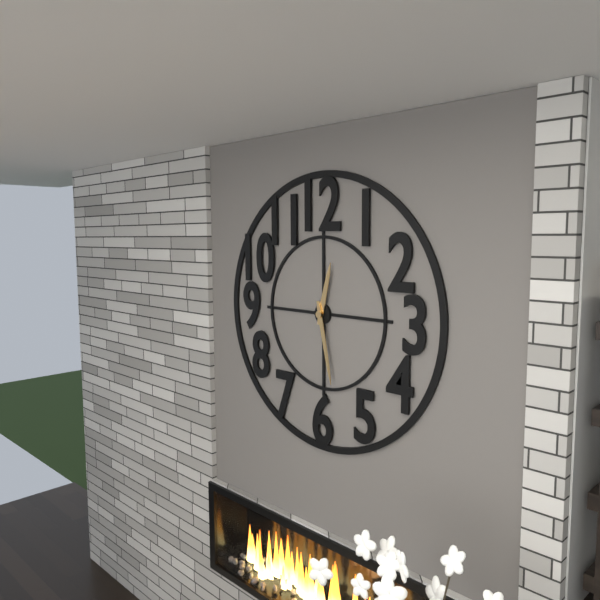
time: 12:28
